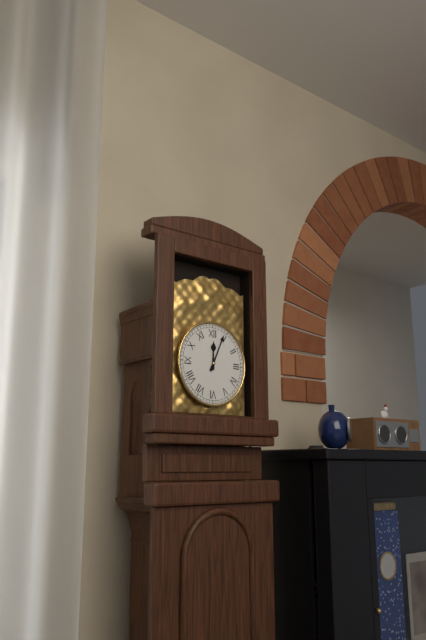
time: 12:04
